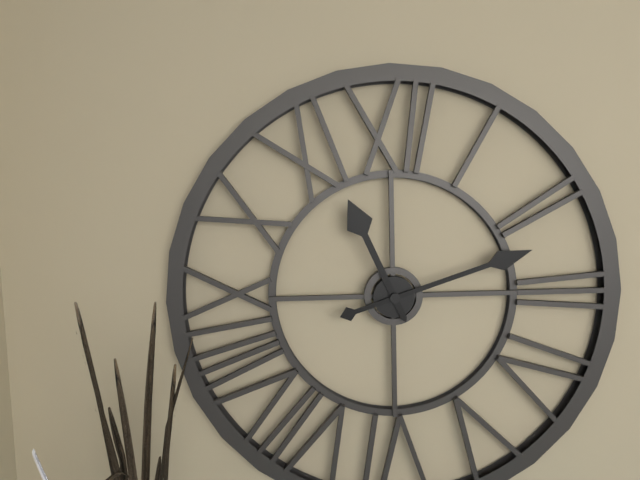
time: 11:12
